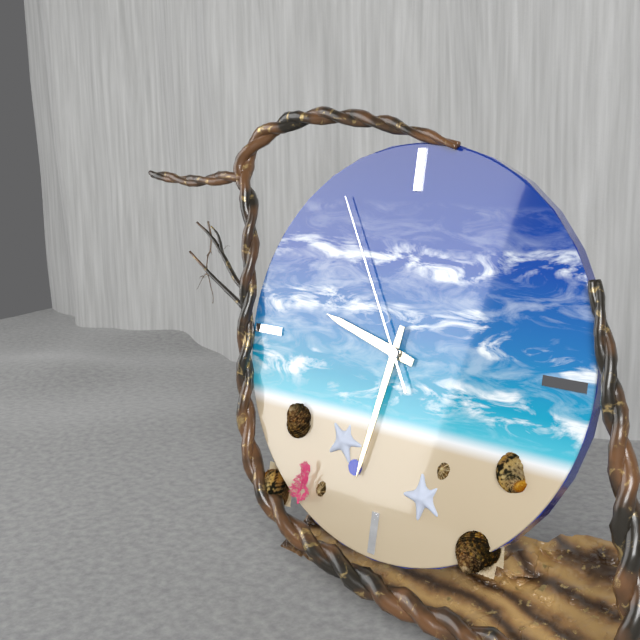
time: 9:32:55
